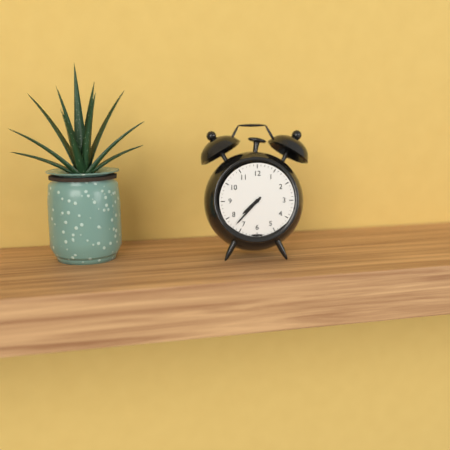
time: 7:37
